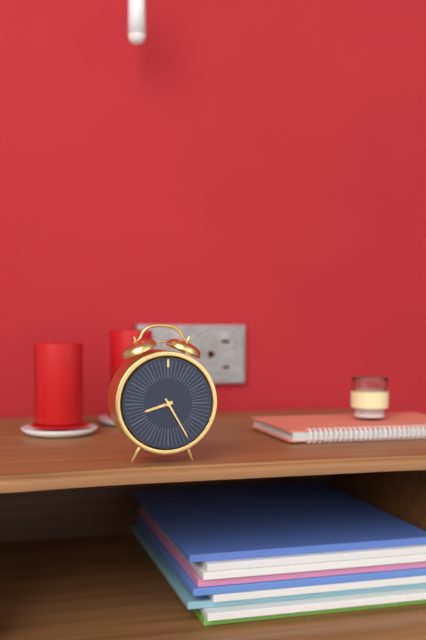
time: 8:25
